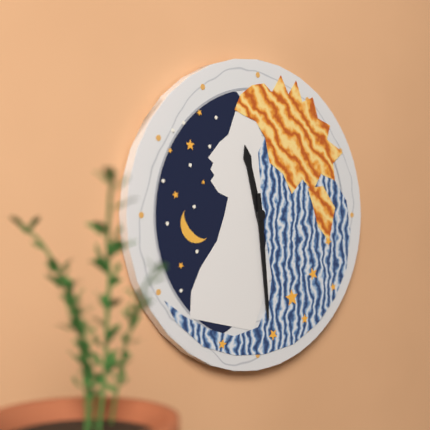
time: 11:29
